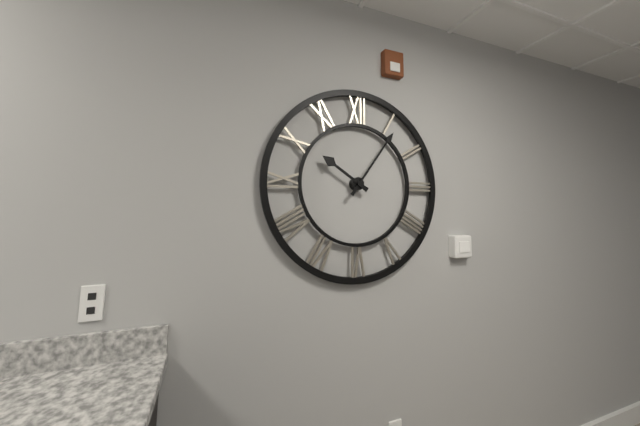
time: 10:06
